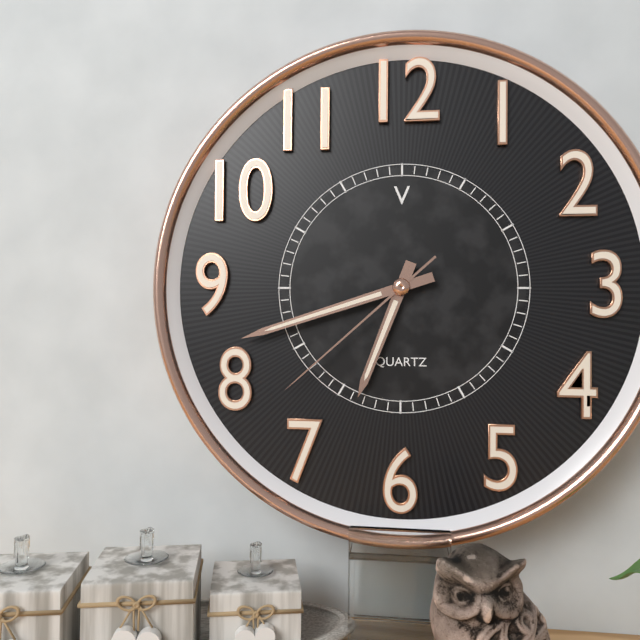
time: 6:42:38
